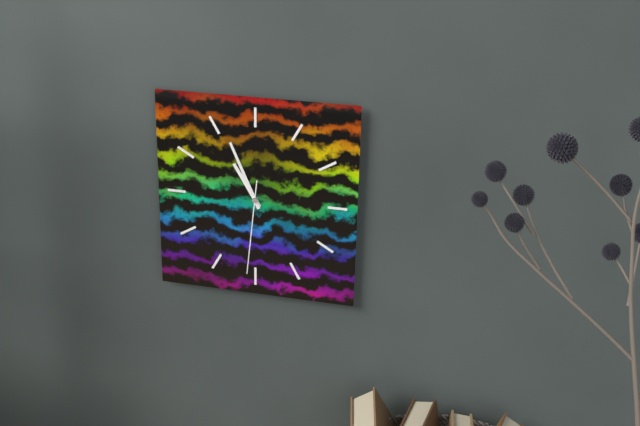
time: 10:56:31
